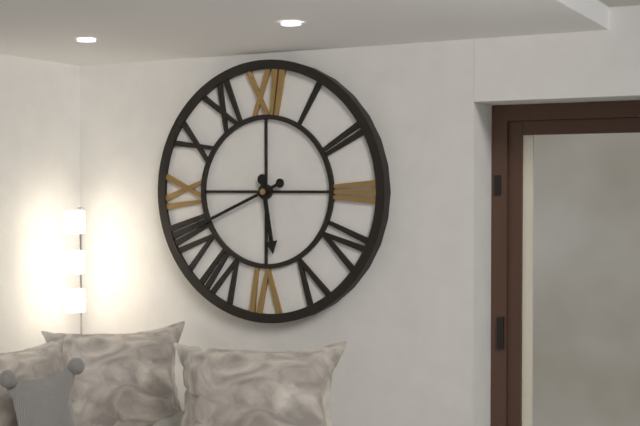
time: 5:41
